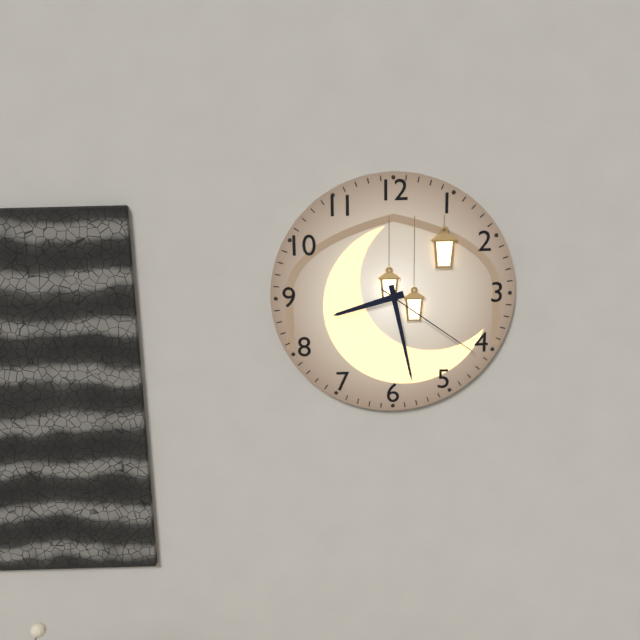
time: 8:28:21
